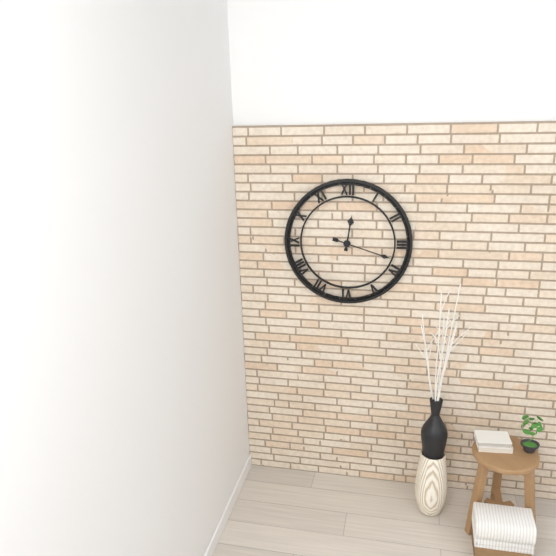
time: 12:18
